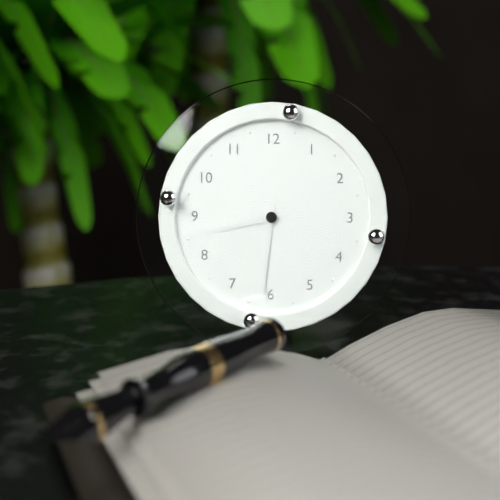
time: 8:31
